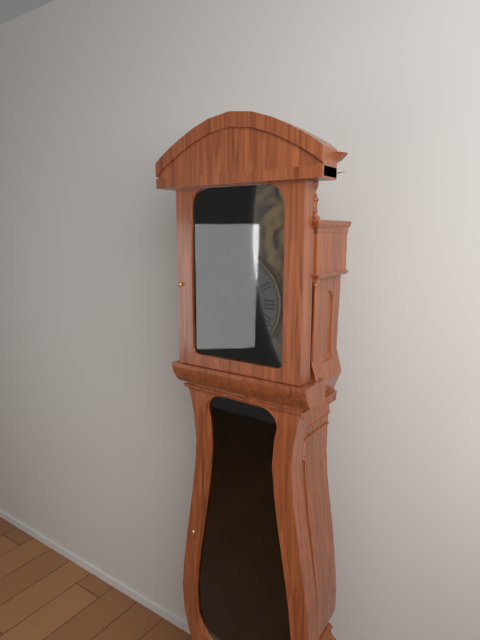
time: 3:07
